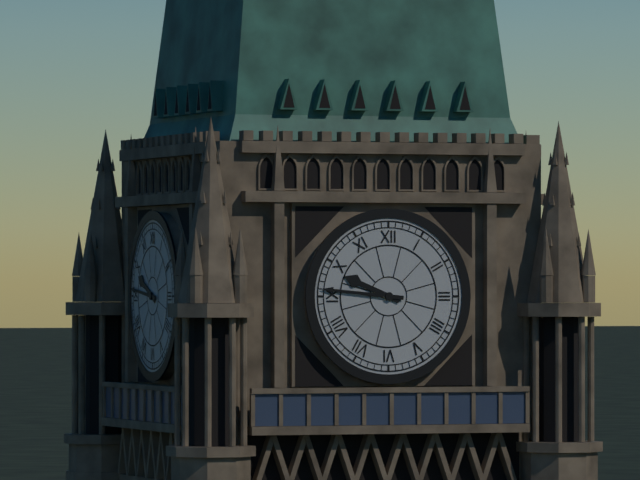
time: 9:46
